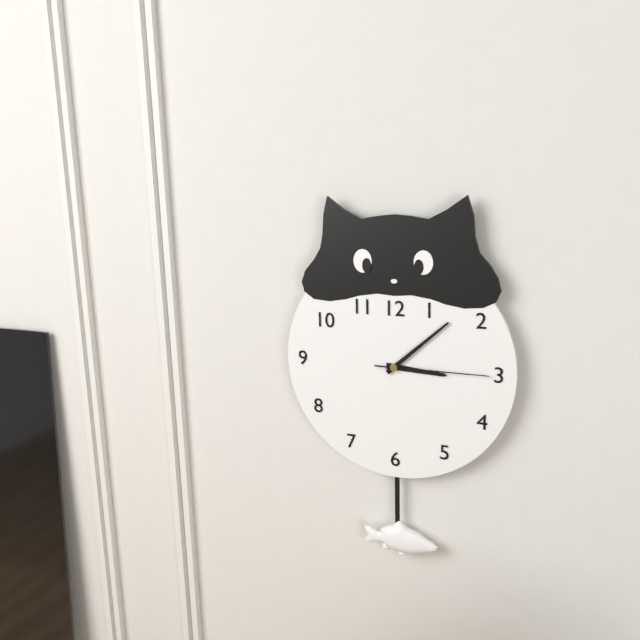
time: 3:08:15
